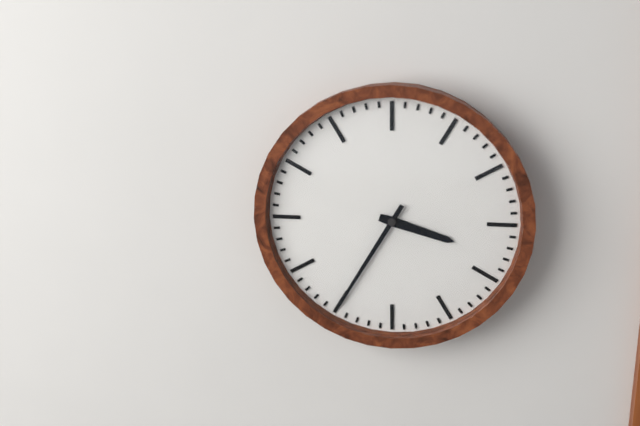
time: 3:35
